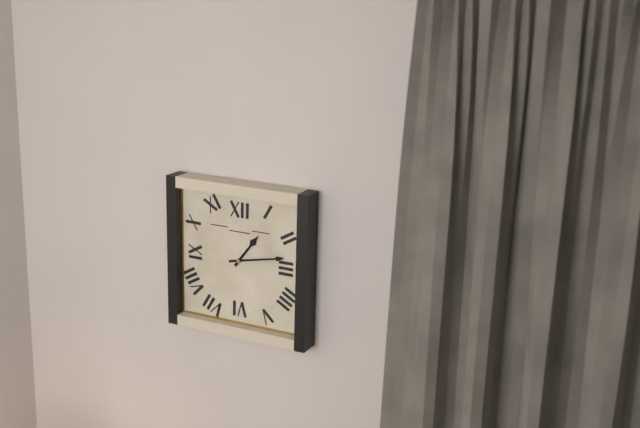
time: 1:13
